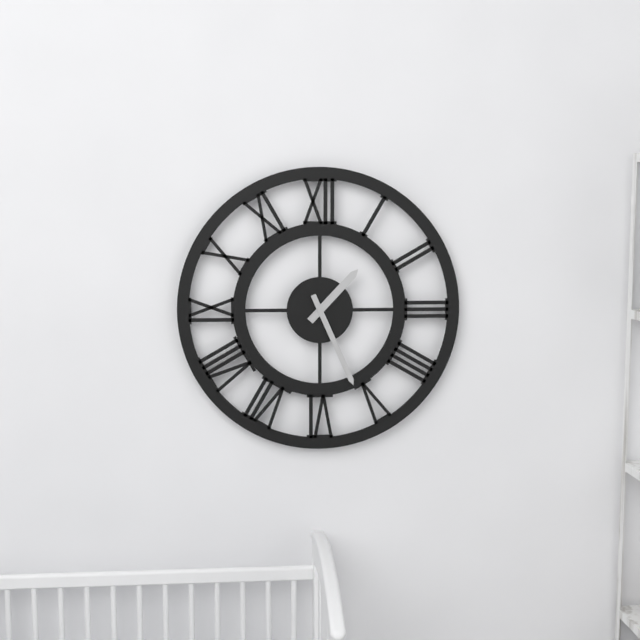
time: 1:26
